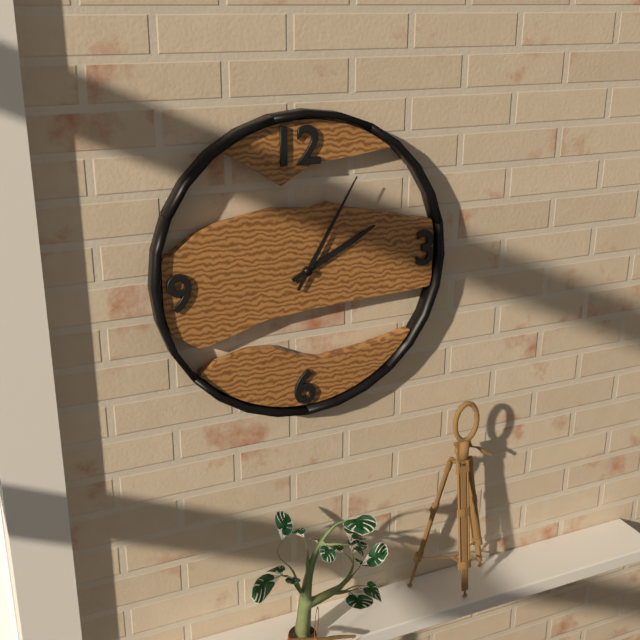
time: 2:05
